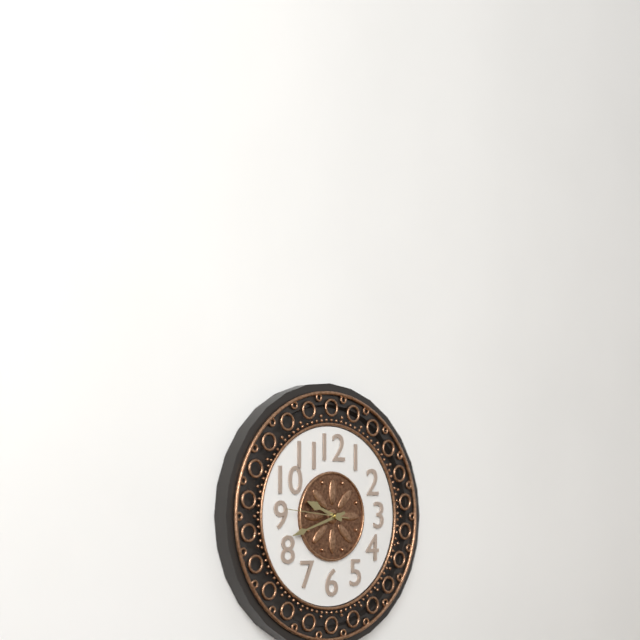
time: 9:42:46
